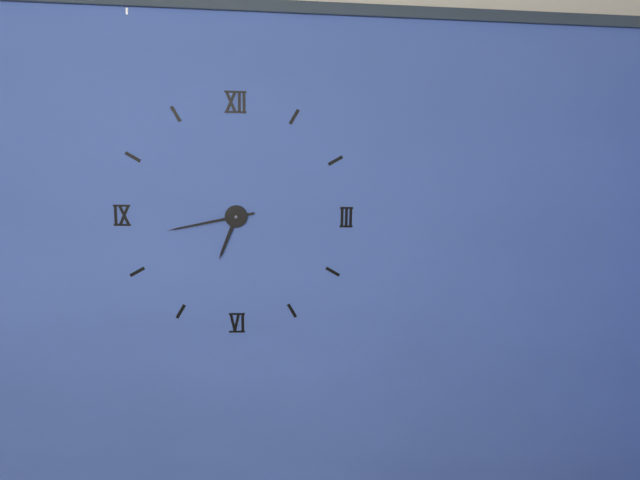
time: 6:43
